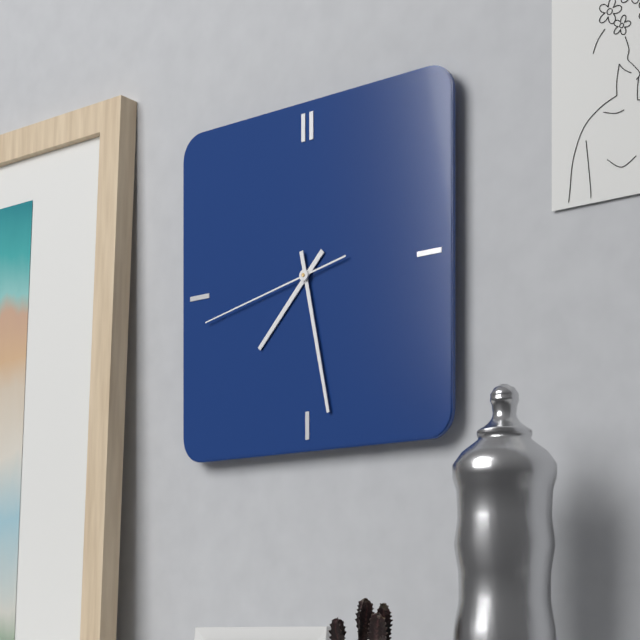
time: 7:28:43
